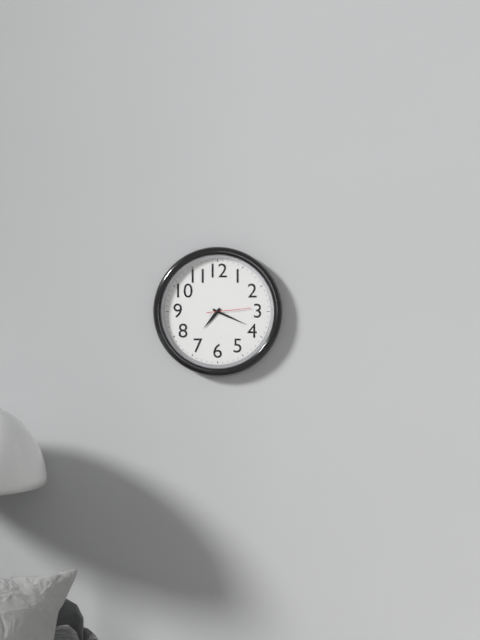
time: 7:19
